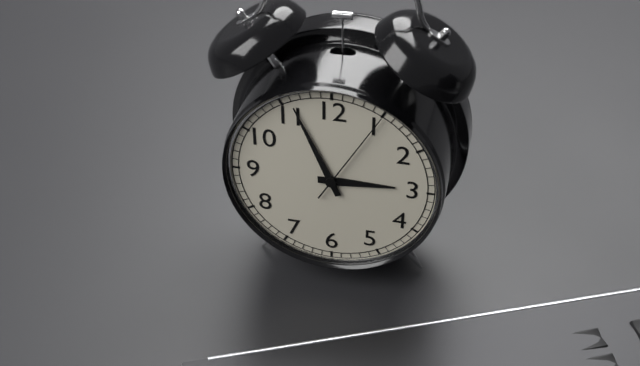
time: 2:56:05
